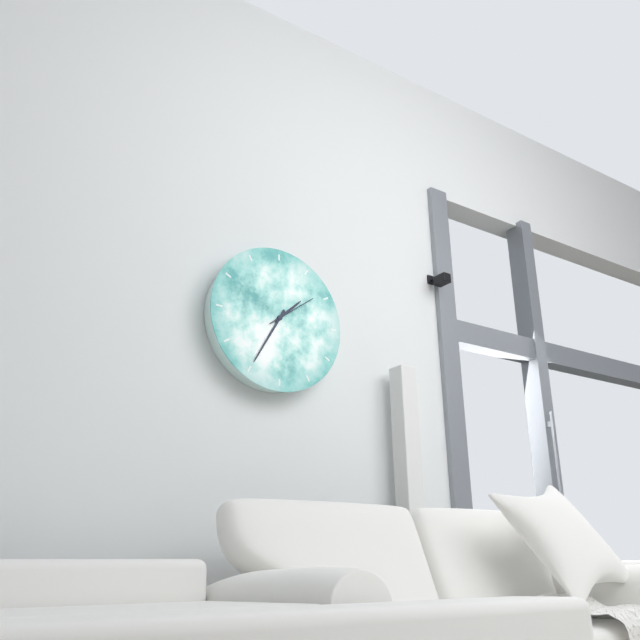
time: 1:35
